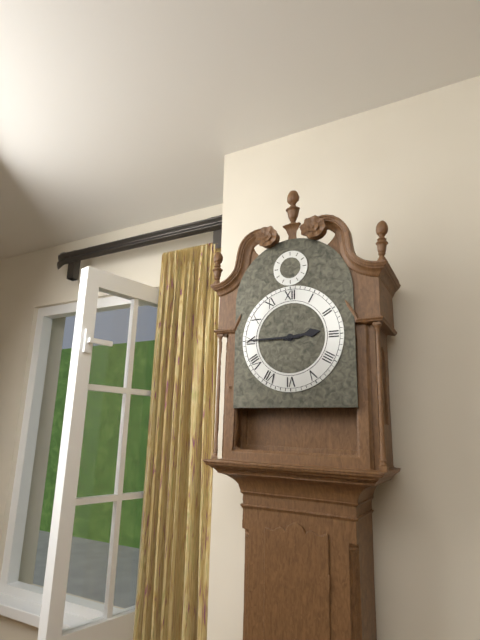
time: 2:45
